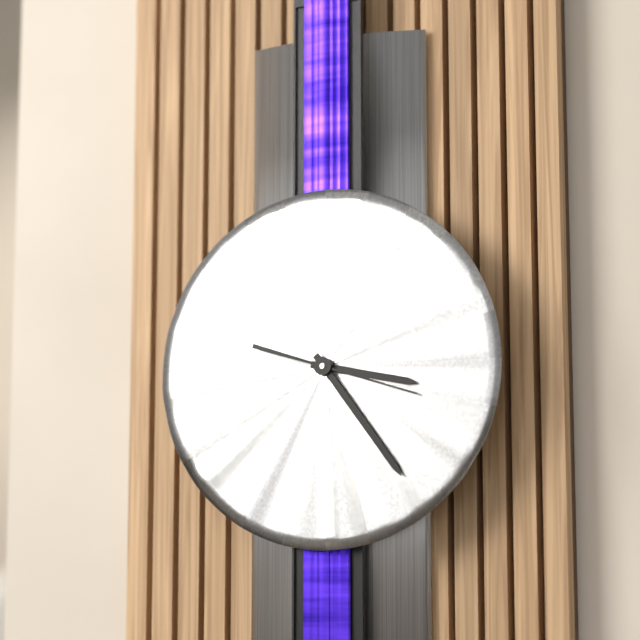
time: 3:24:18
